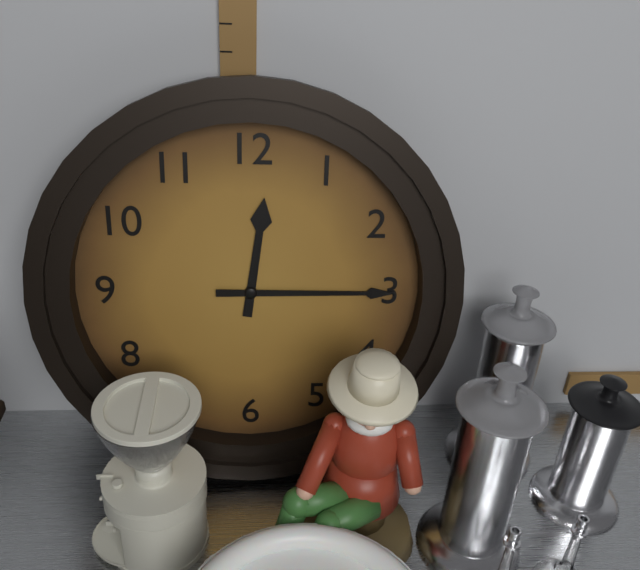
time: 12:15
